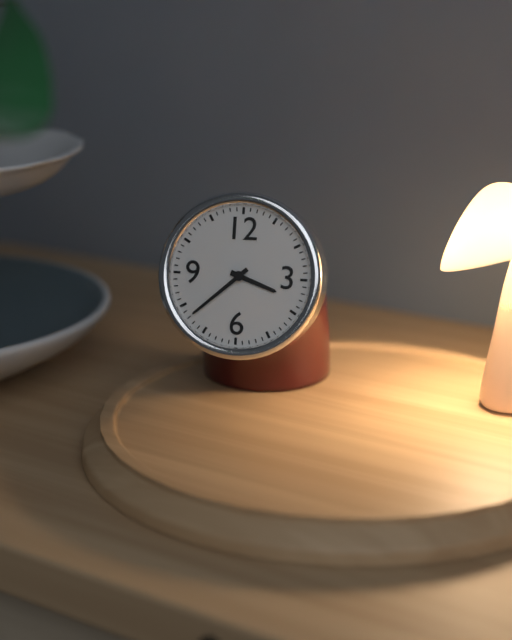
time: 3:38
